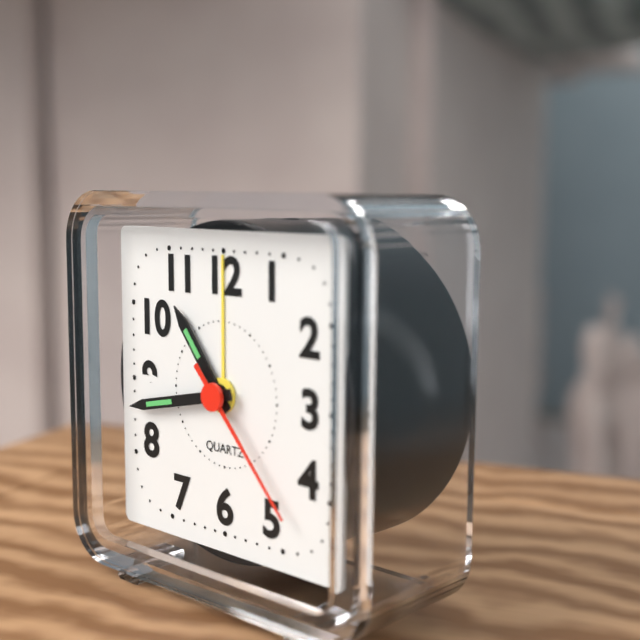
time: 10:43:23
